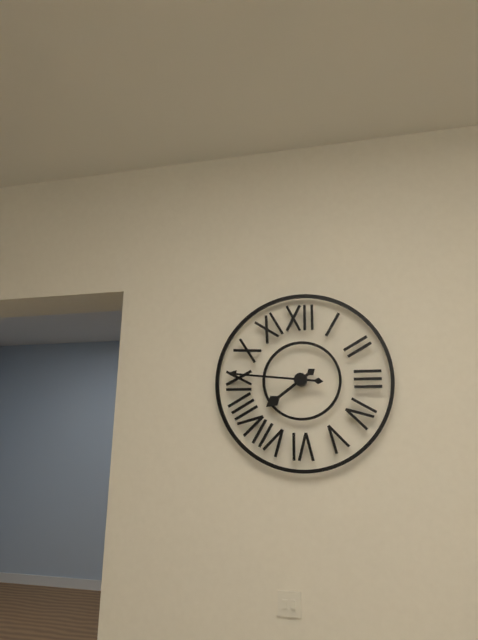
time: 7:46
